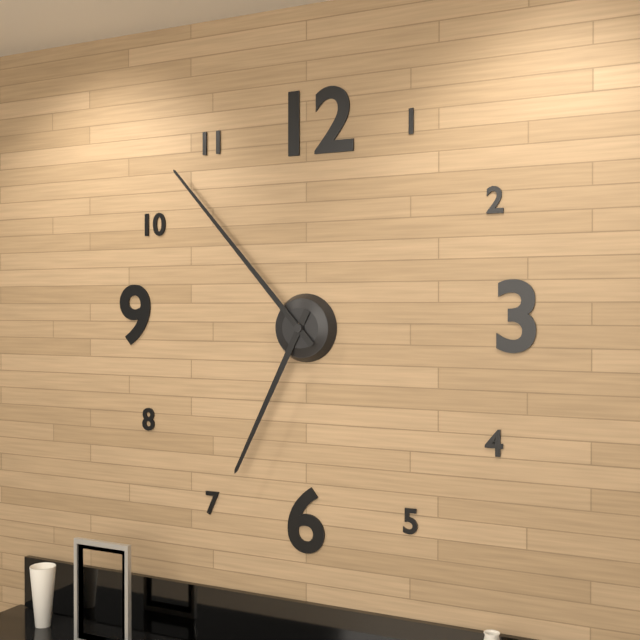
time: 6:53
